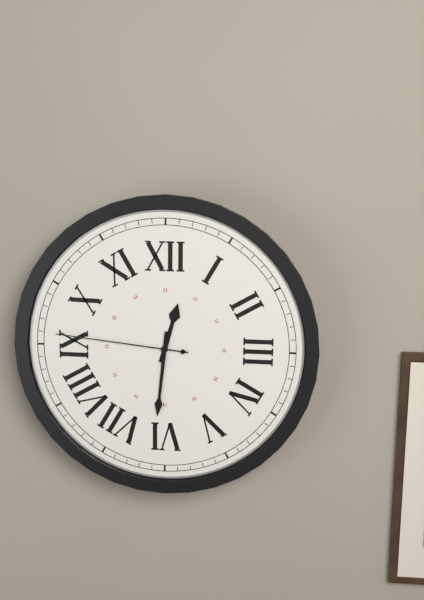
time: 12:31:46
